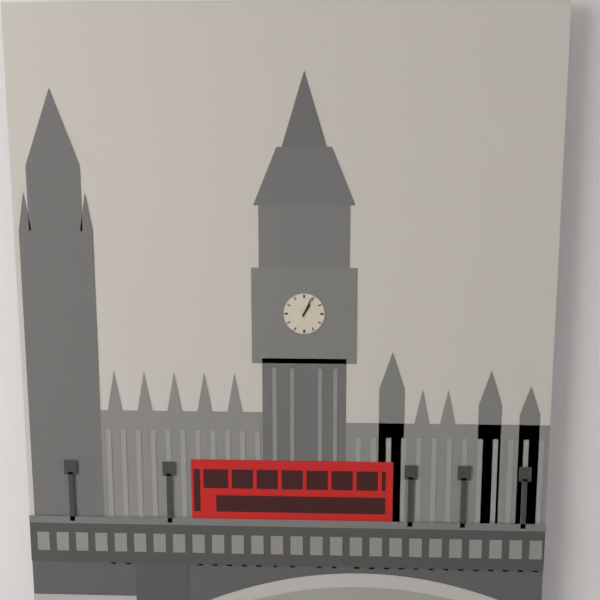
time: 1:04
